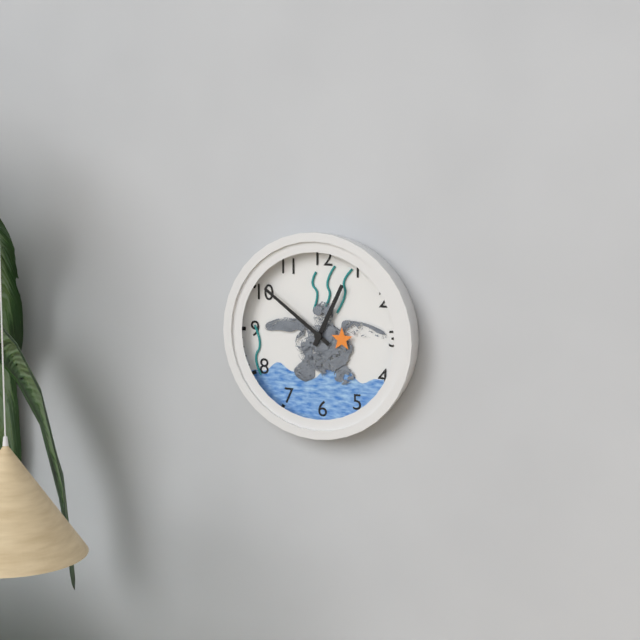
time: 12:51
